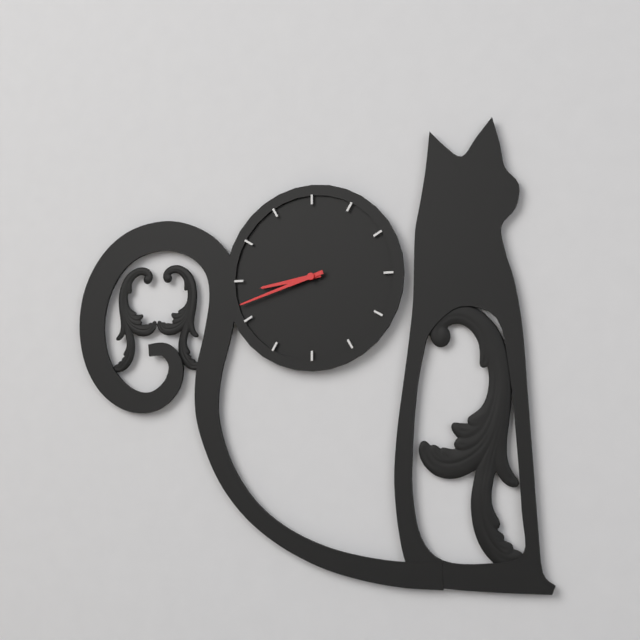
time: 8:42
